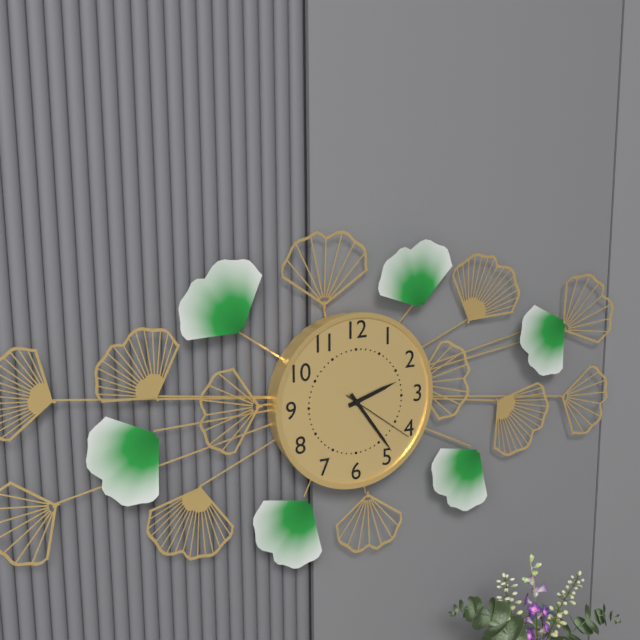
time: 2:24:21
